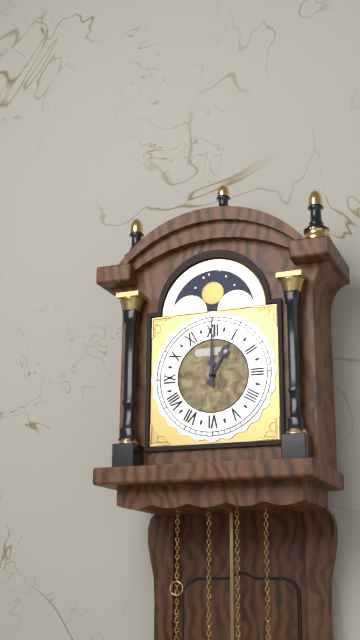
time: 1:00
